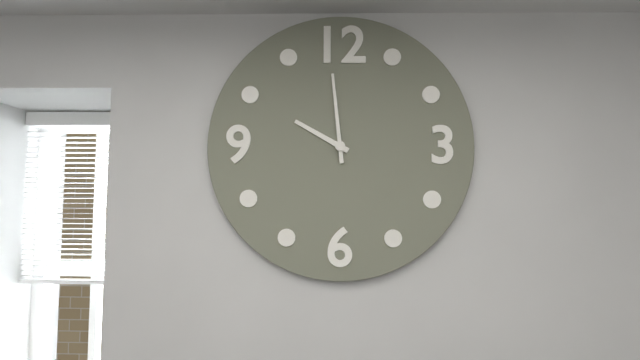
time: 9:59
